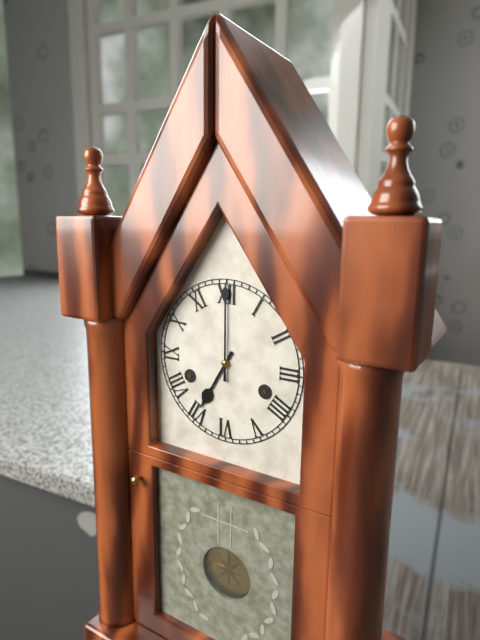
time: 7:00
